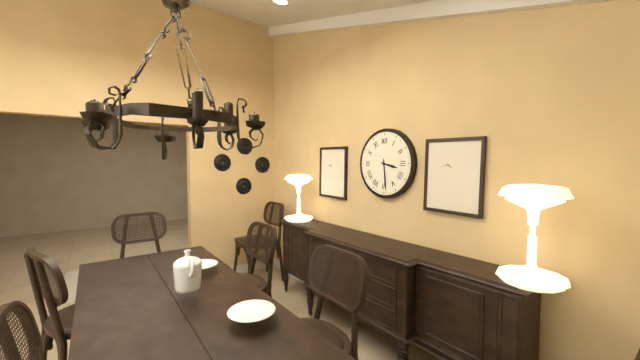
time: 3:29
